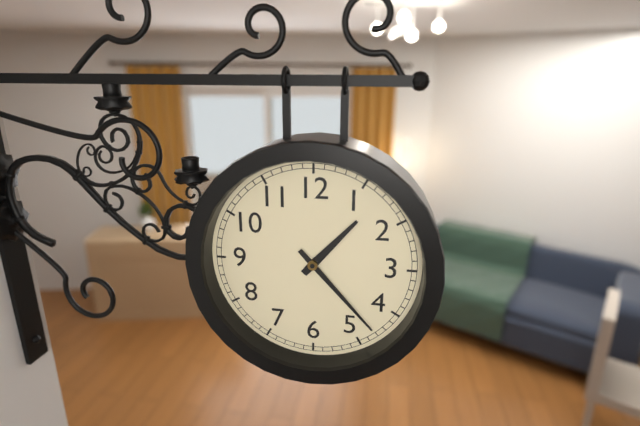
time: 1:23
